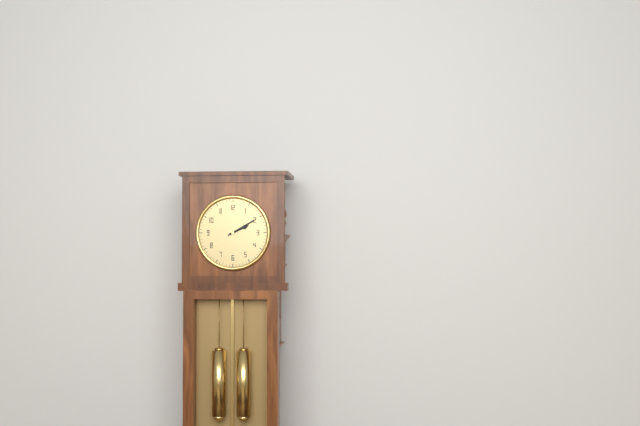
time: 2:10
